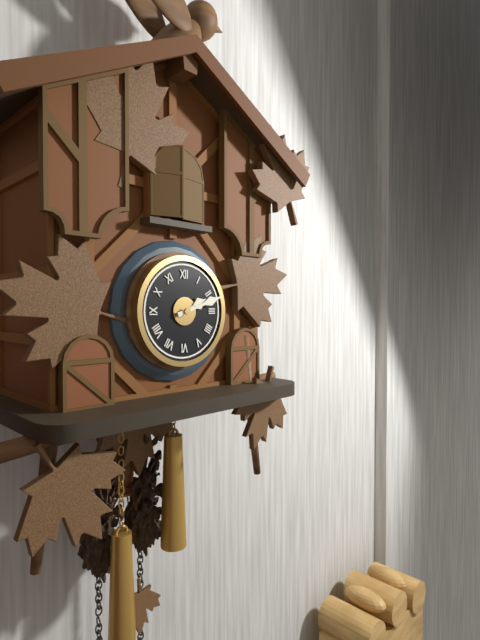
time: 2:12
